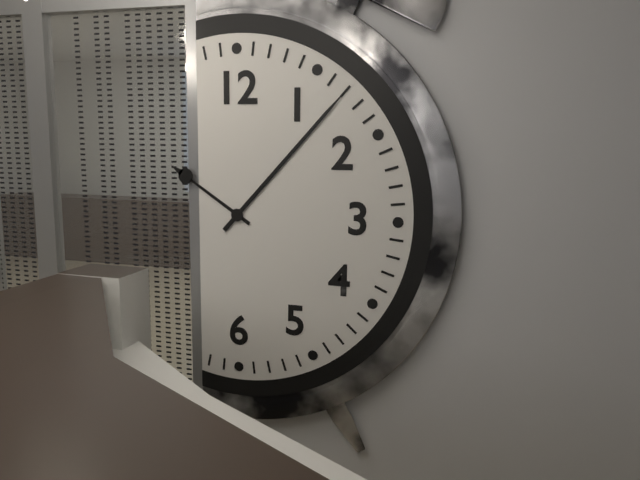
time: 10:07
